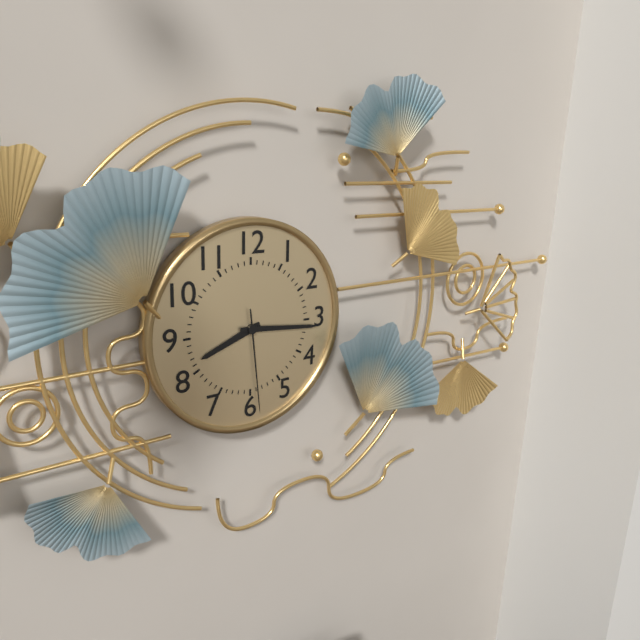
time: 8:16:29
